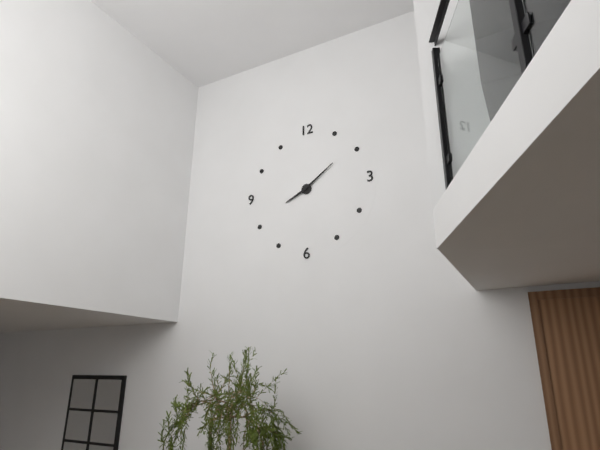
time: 8:09
